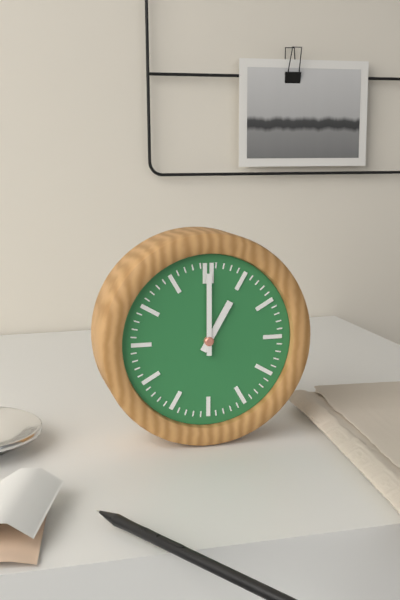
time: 1:00
